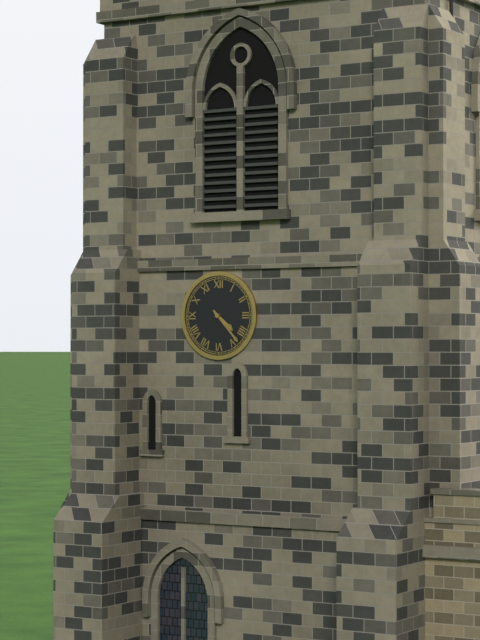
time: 4:23
